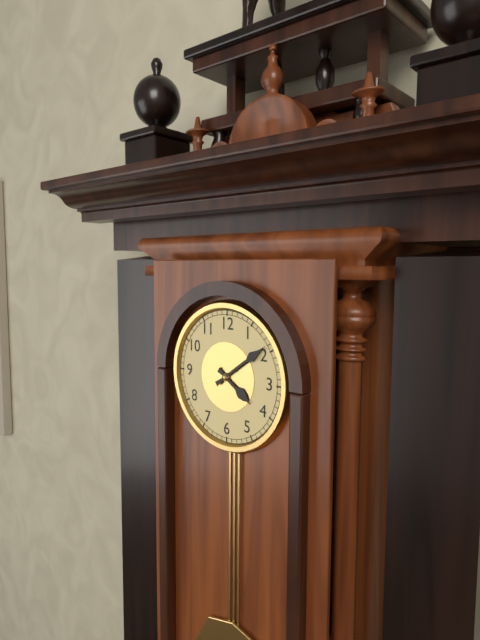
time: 4:09
